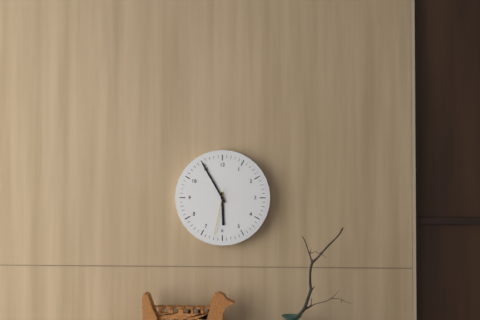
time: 5:55
